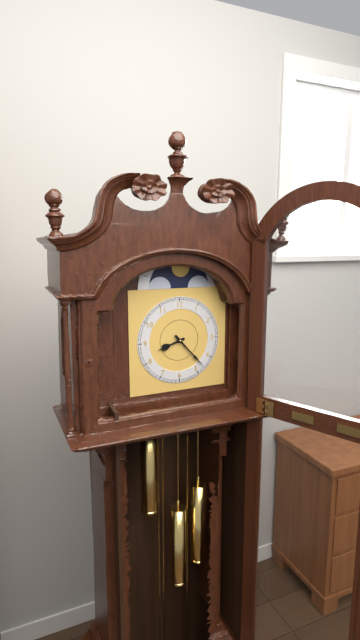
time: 8:23
